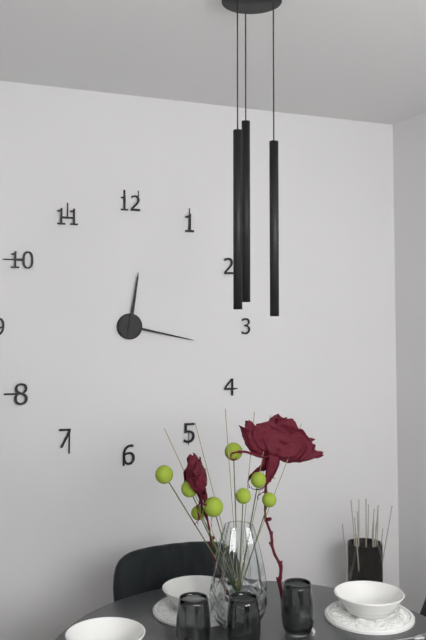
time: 12:17
